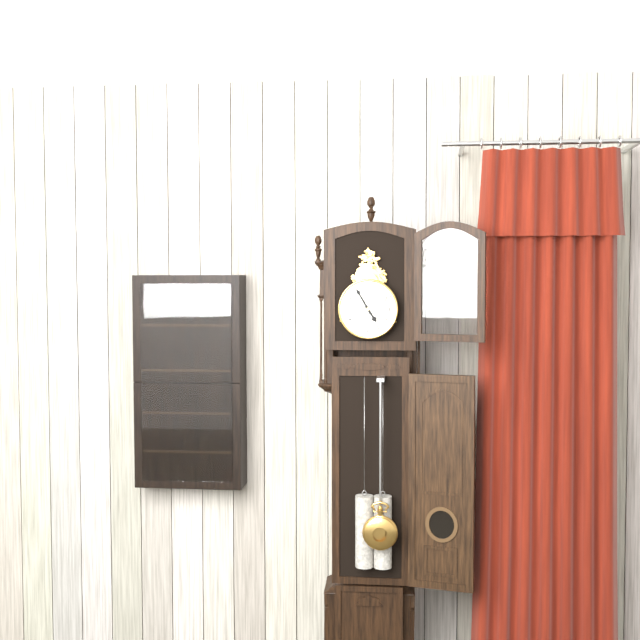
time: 4:55
